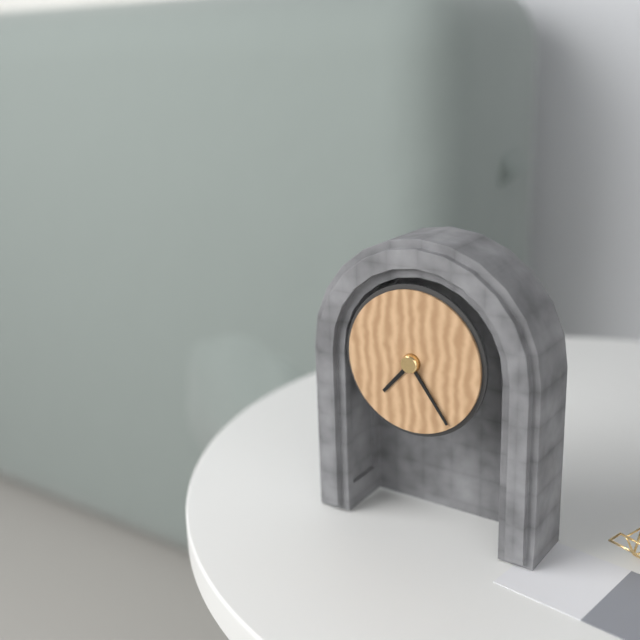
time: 7:24
